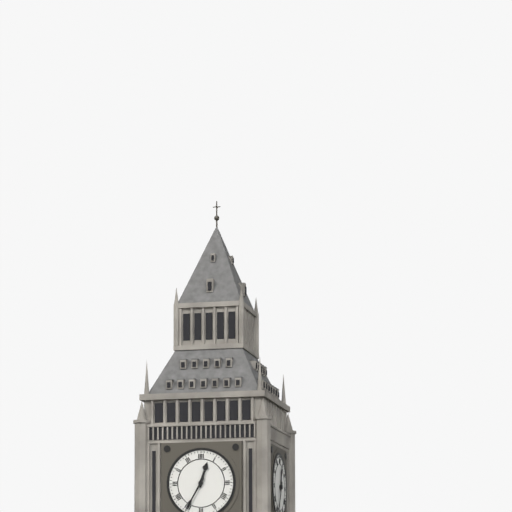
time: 12:35
